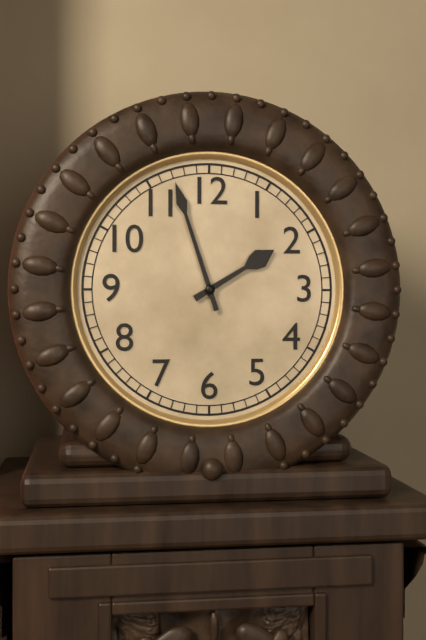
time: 1:57
